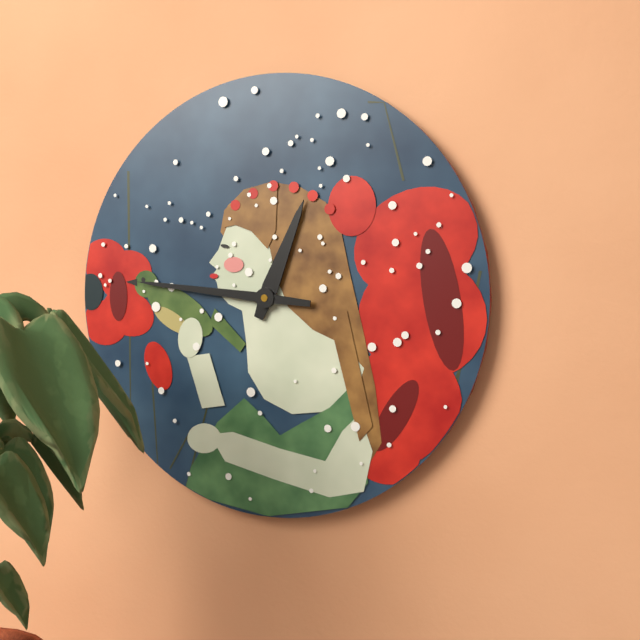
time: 12:46
